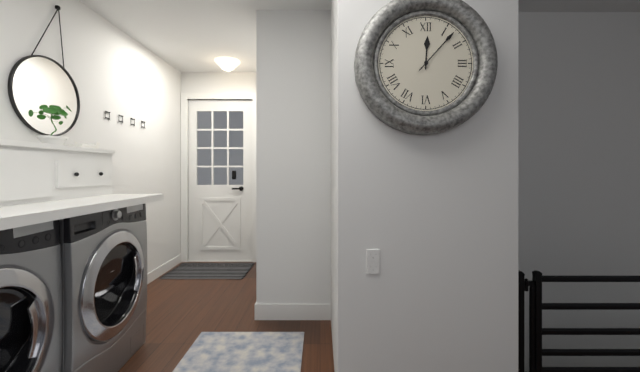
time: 12:07
